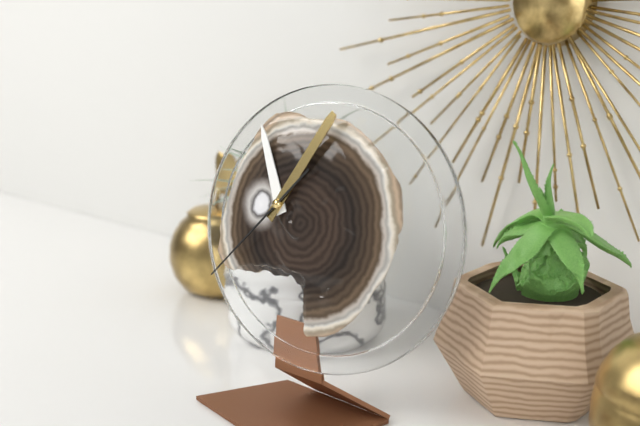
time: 11:05:37
